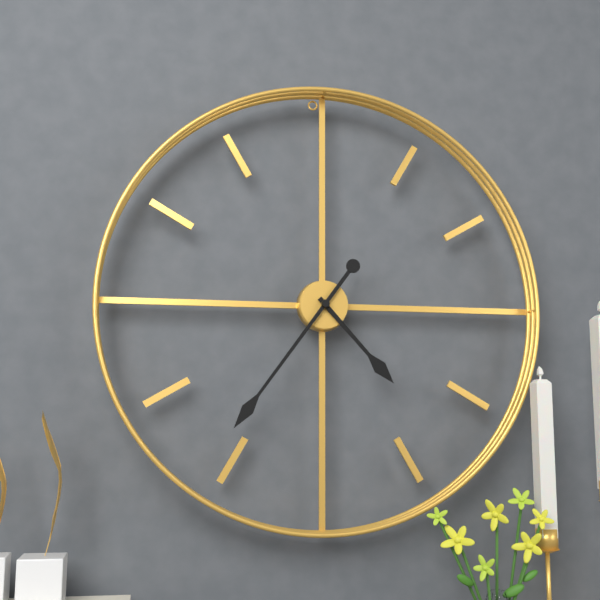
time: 4:36
